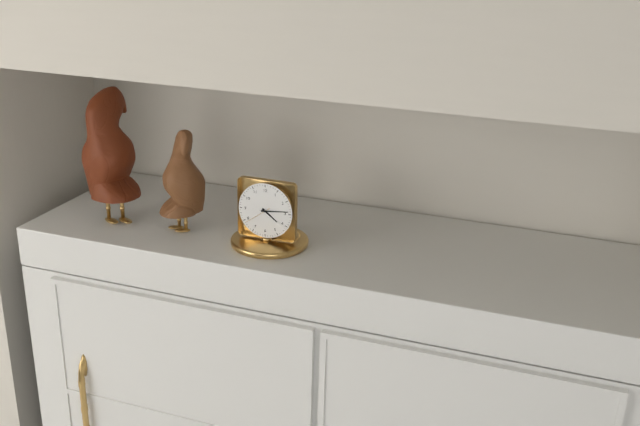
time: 4:14
